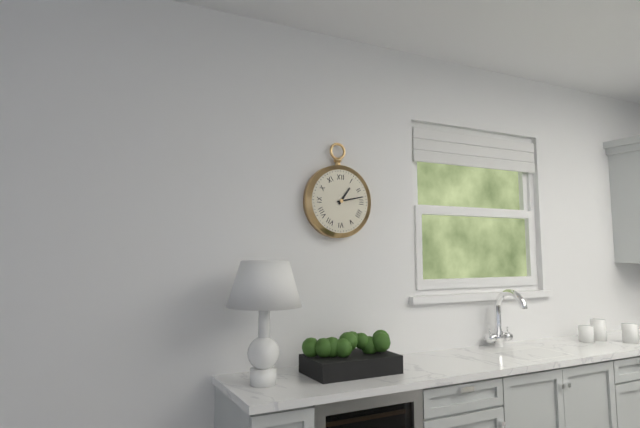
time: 1:13
